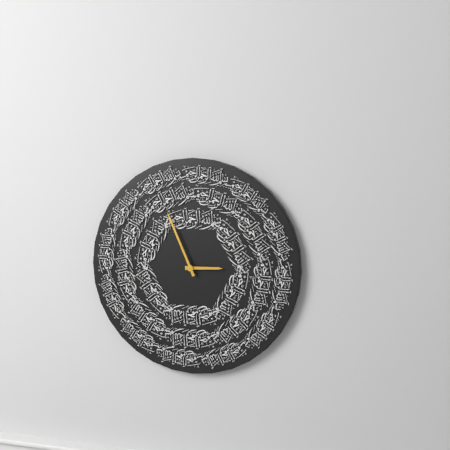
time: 2:56
